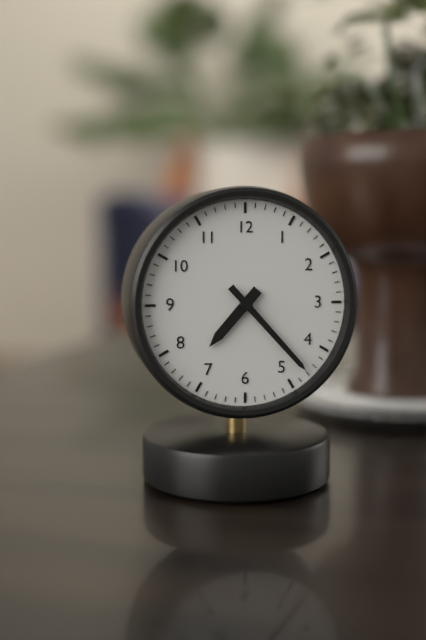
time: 7:23
